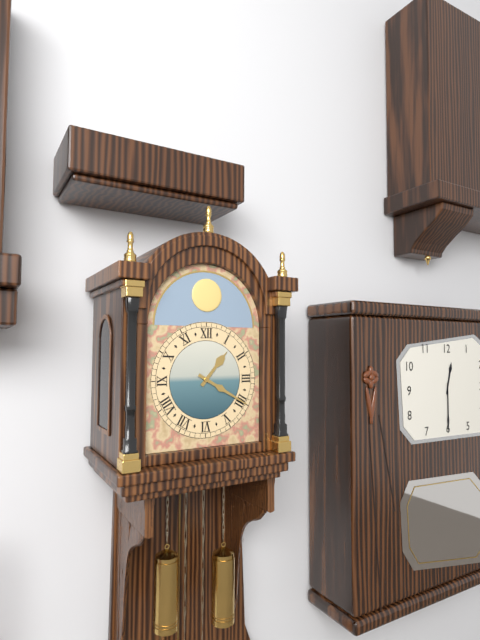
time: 1:20
